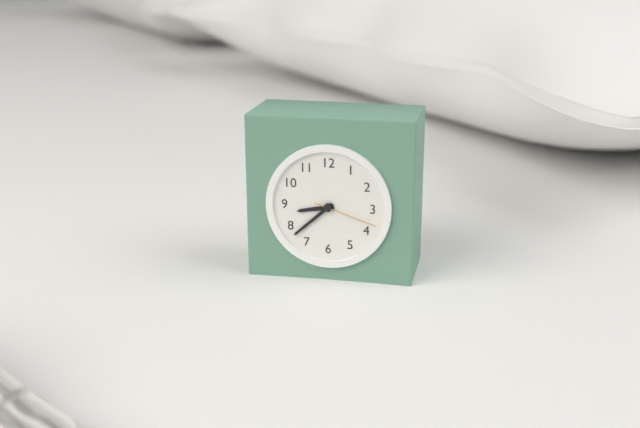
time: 8:38:18
